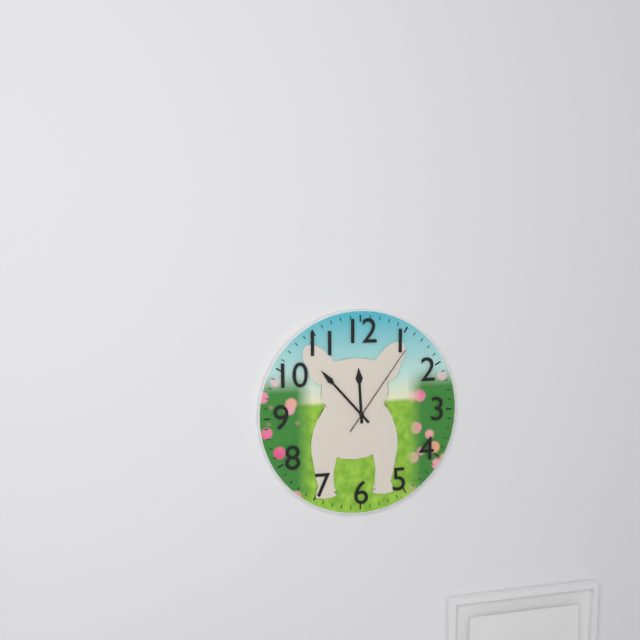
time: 11:53:06
